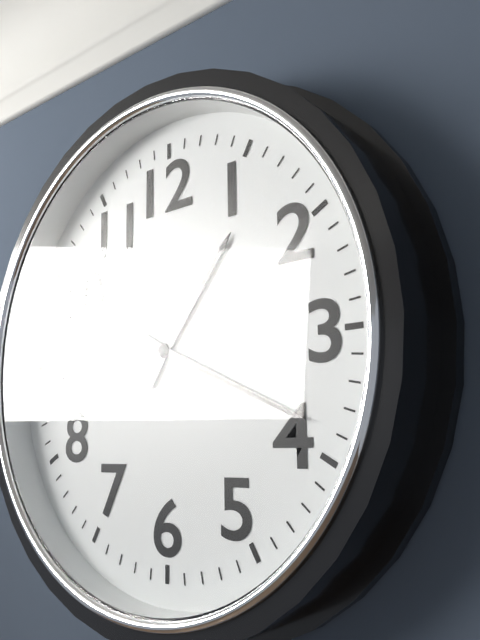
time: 1:19
